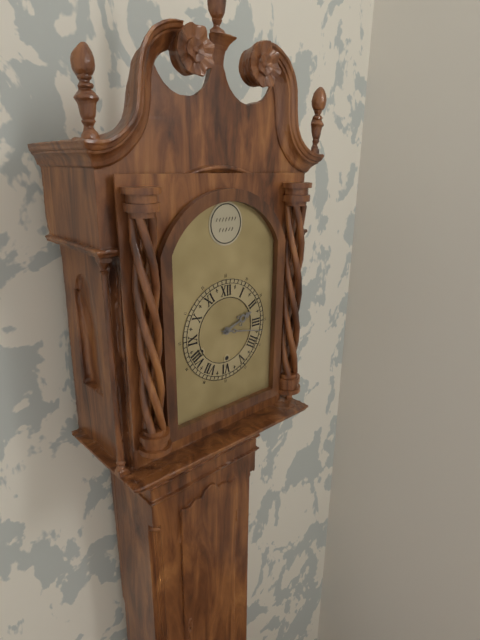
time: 2:17
